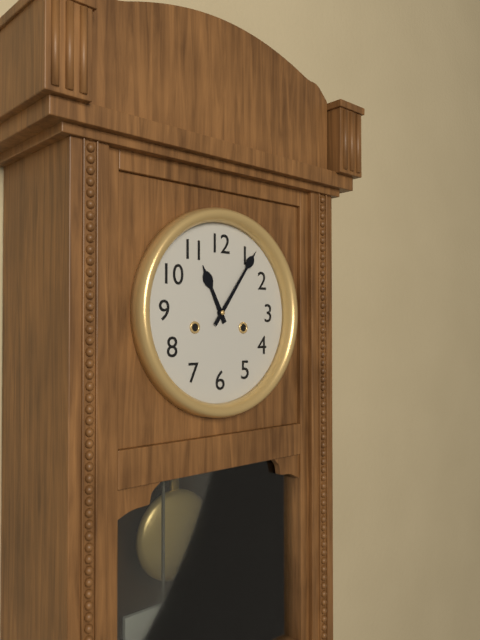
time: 11:06
